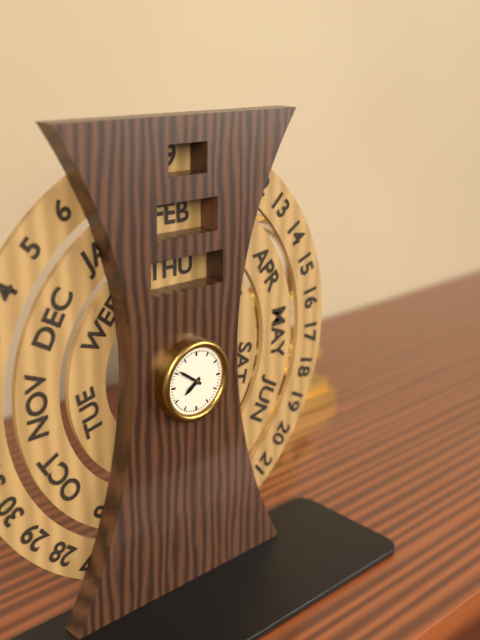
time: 7:51
